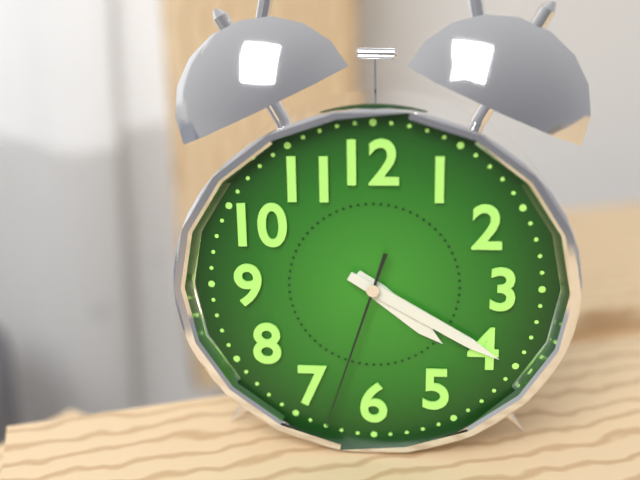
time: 4:20:33
